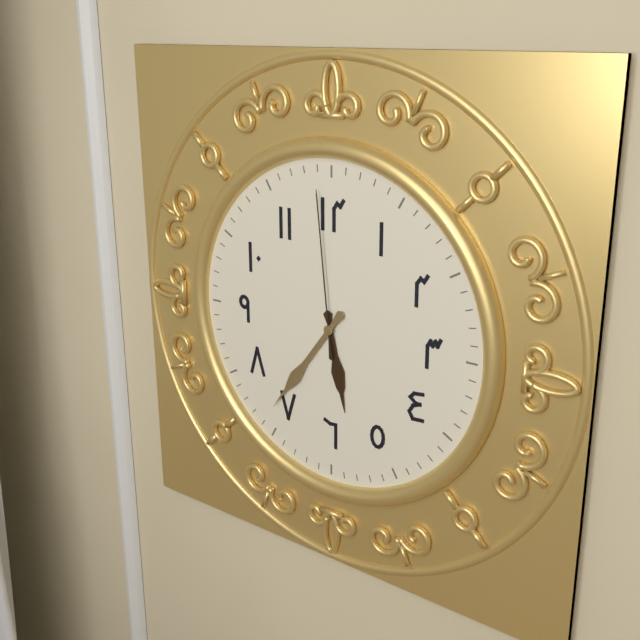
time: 5:36:59
